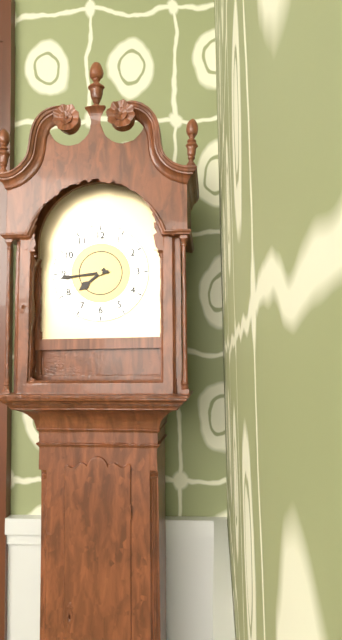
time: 7:44
